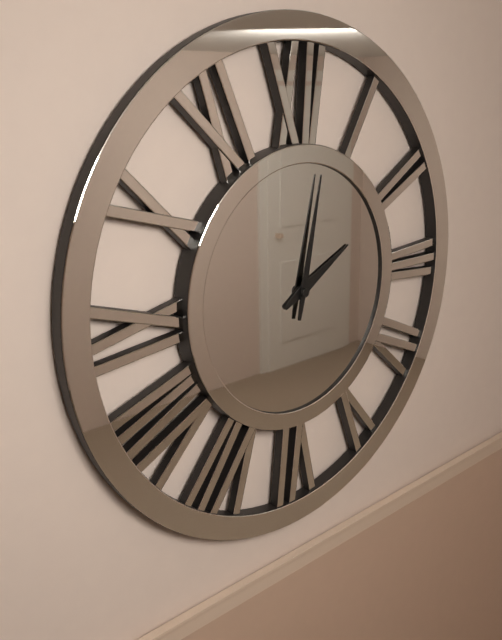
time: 2:02
